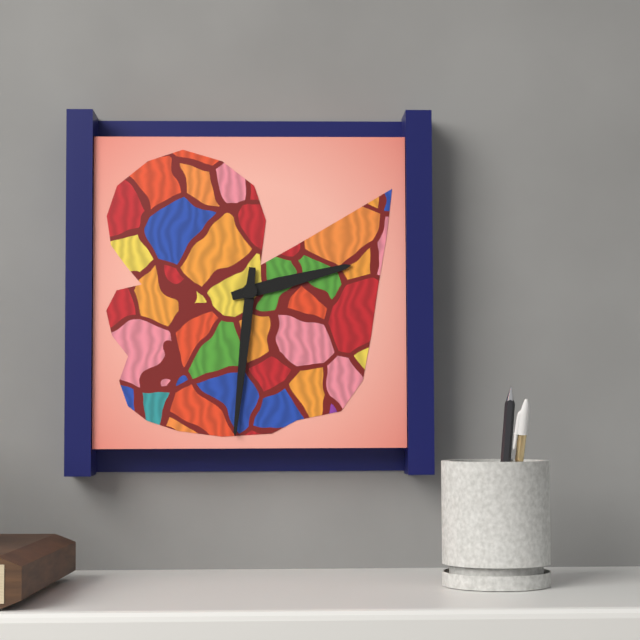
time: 2:31
